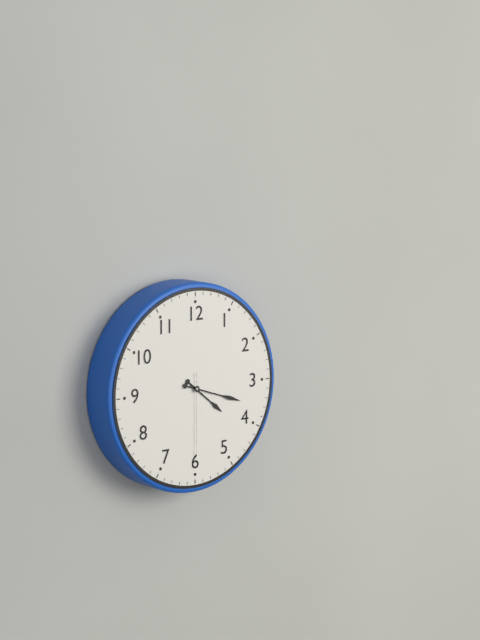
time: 4:18:30
